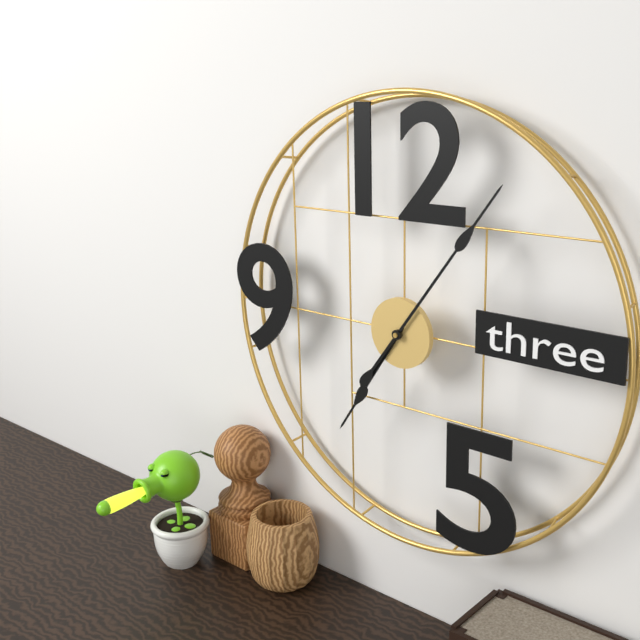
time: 7:06
